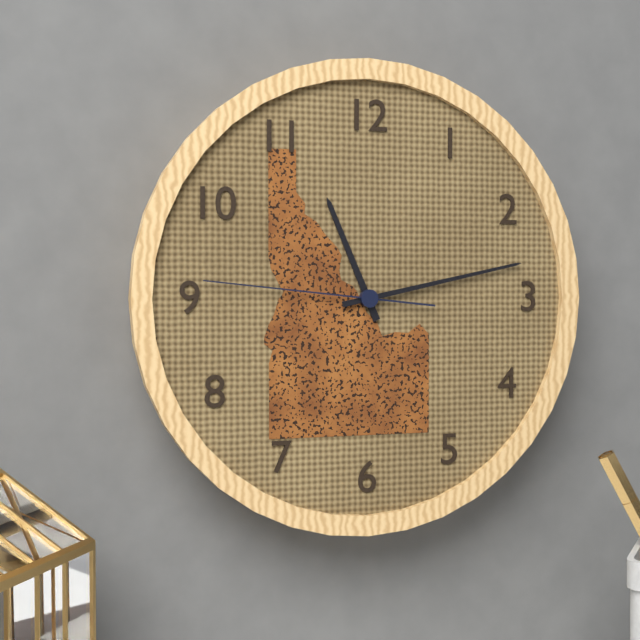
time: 11:13:46
